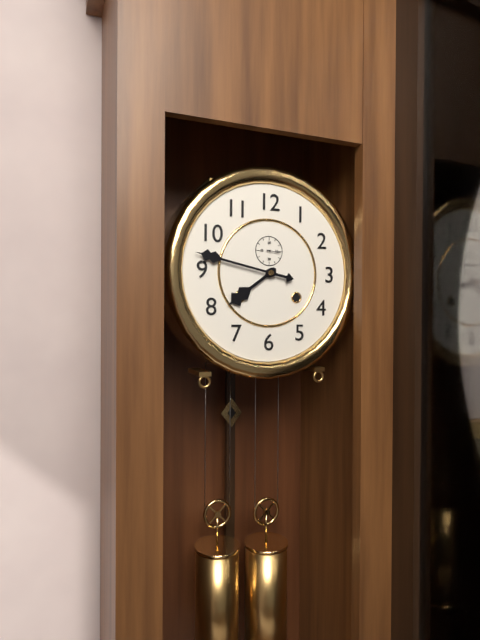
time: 7:47
